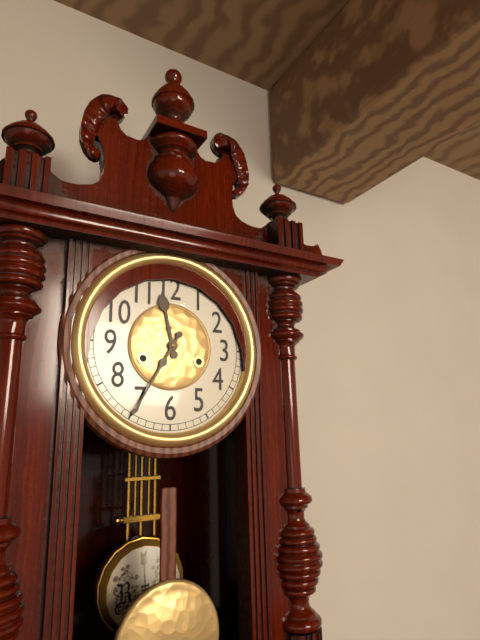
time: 11:35
